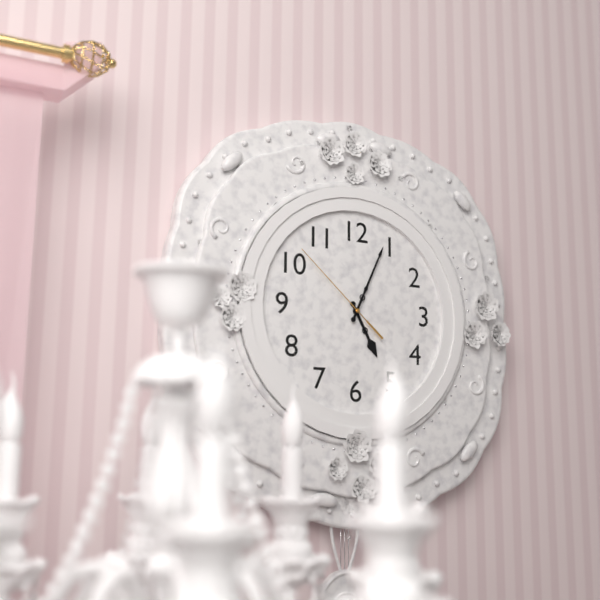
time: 5:04:52
